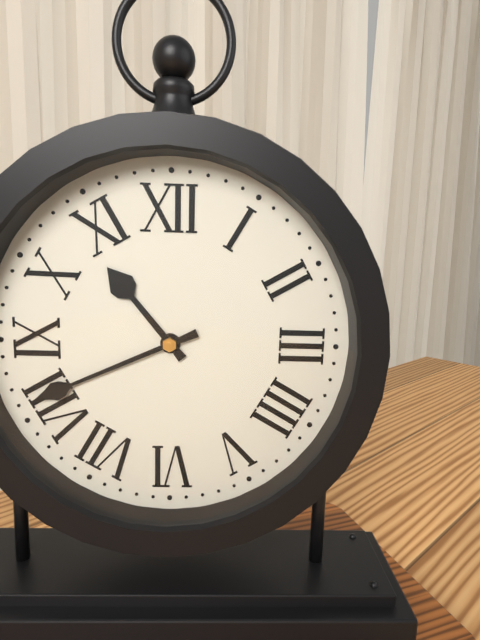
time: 10:41
